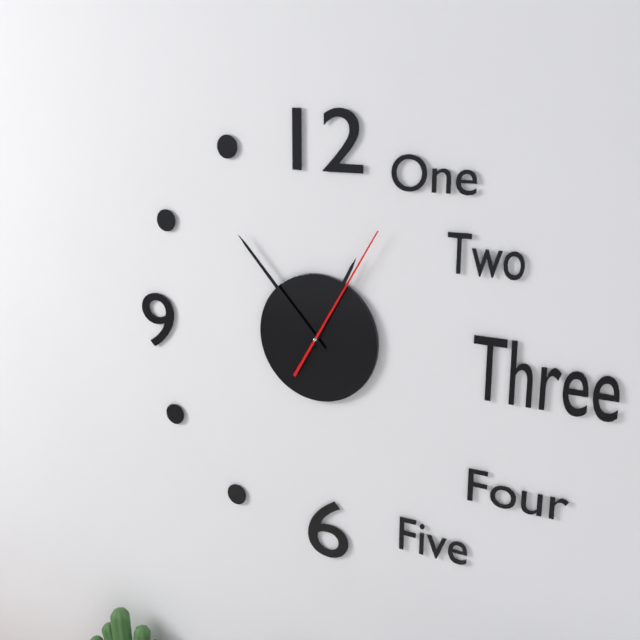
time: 12:53:05
